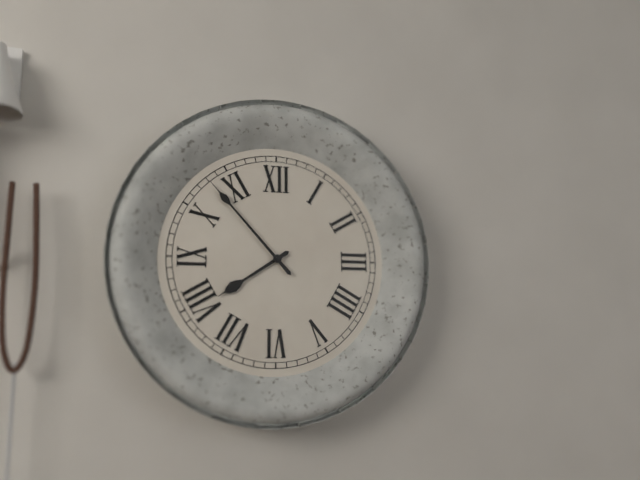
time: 7:53
